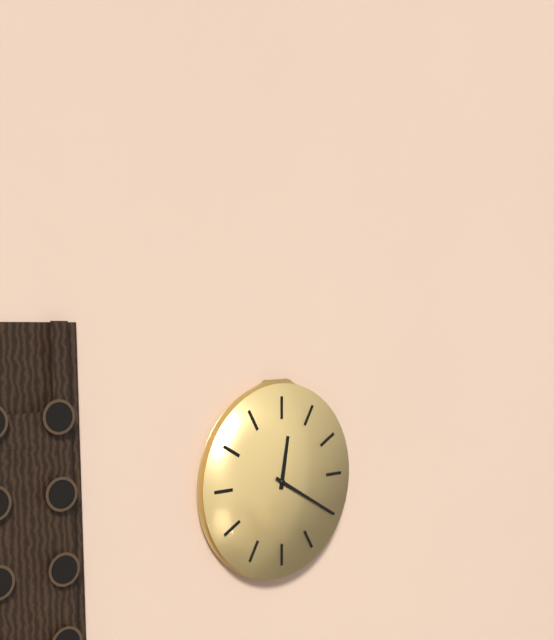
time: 12:20
